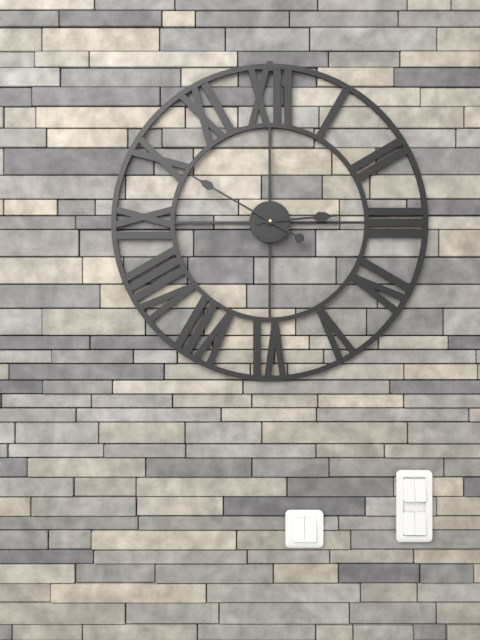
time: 2:50
